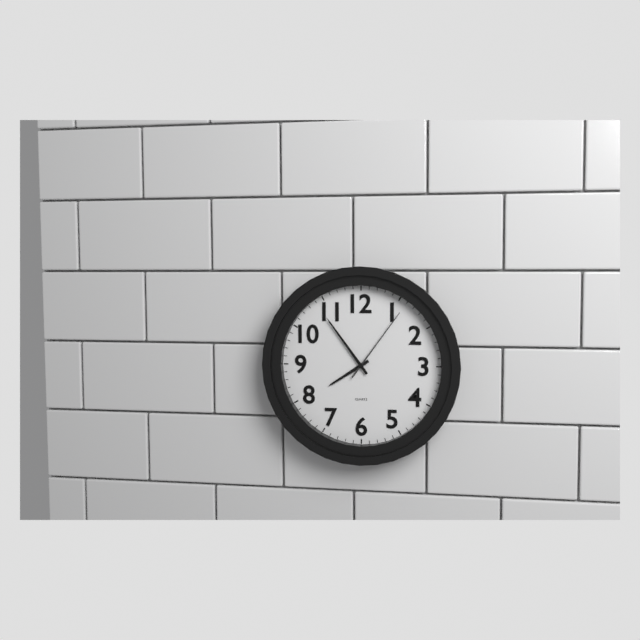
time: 7:54:06
